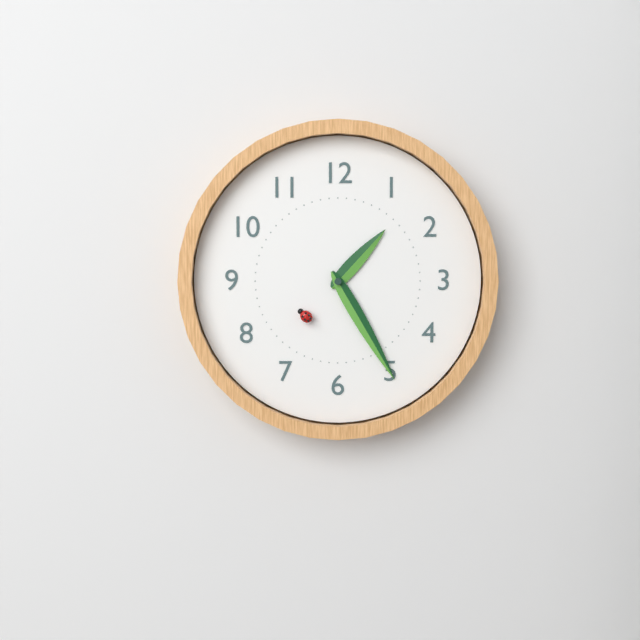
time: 1:25:37
